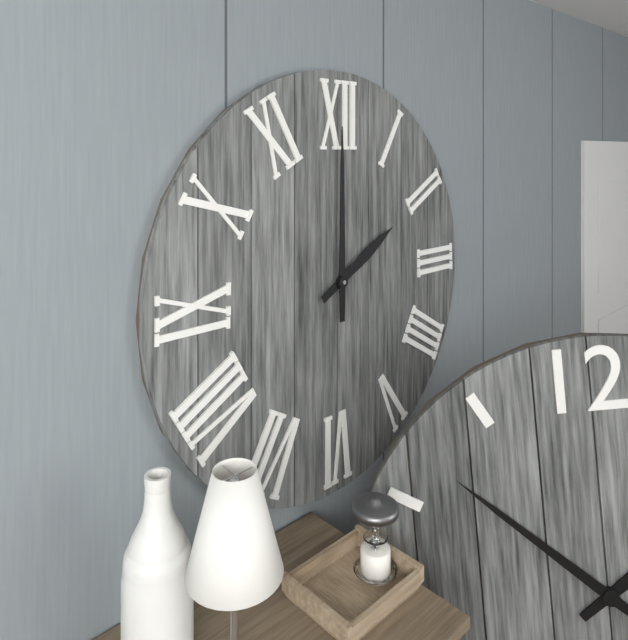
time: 2:00
